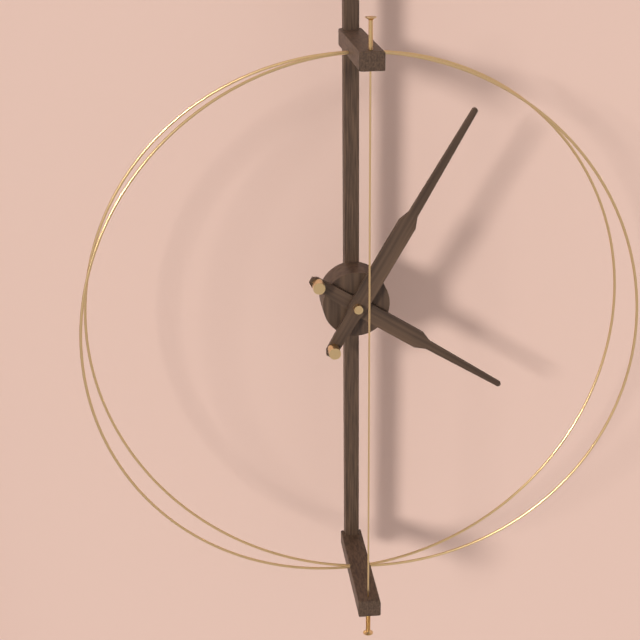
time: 4:05
